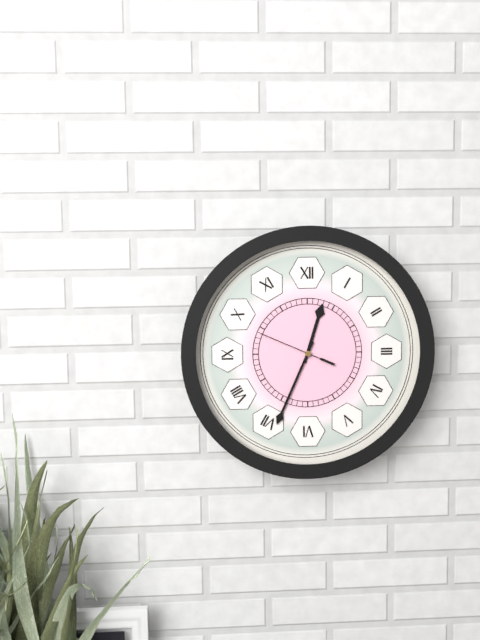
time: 12:34:49
